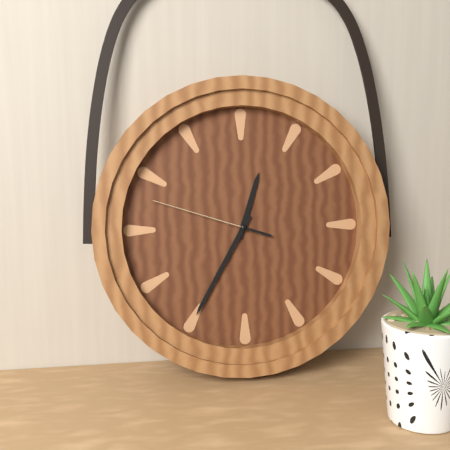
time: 12:35:48
